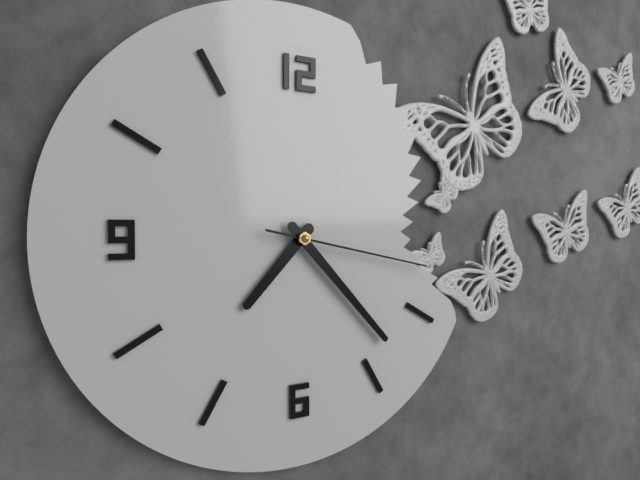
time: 7:23:17
